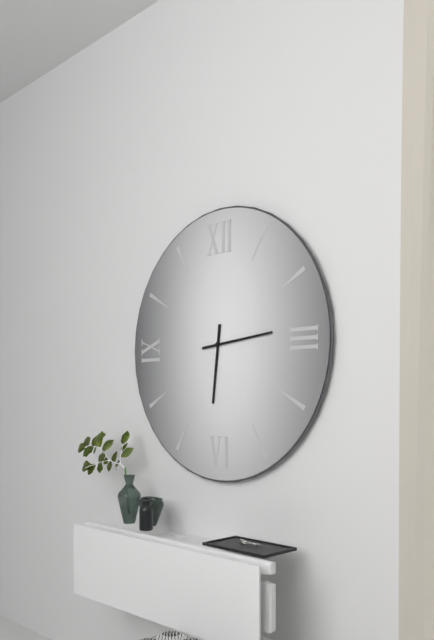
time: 6:14
